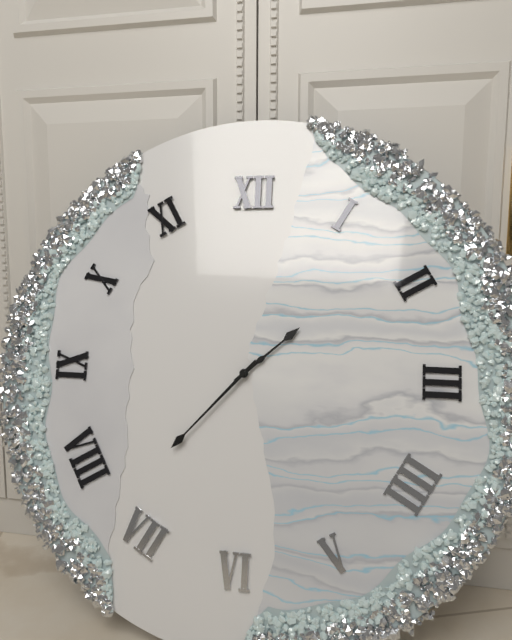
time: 1:37
